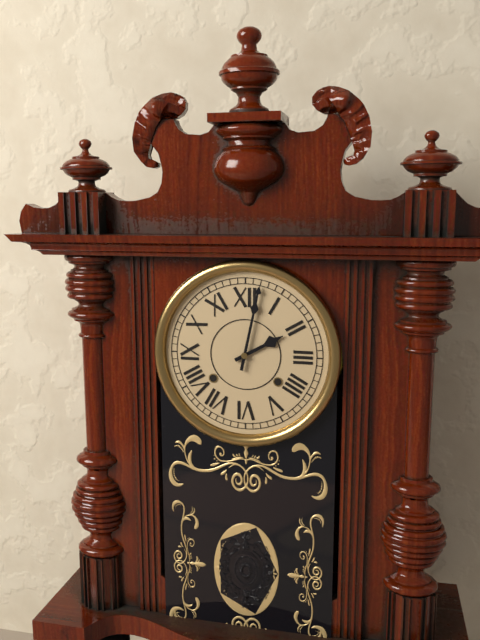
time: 2:02
